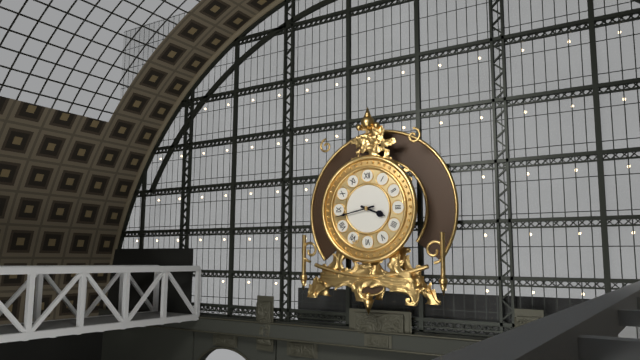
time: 3:43
